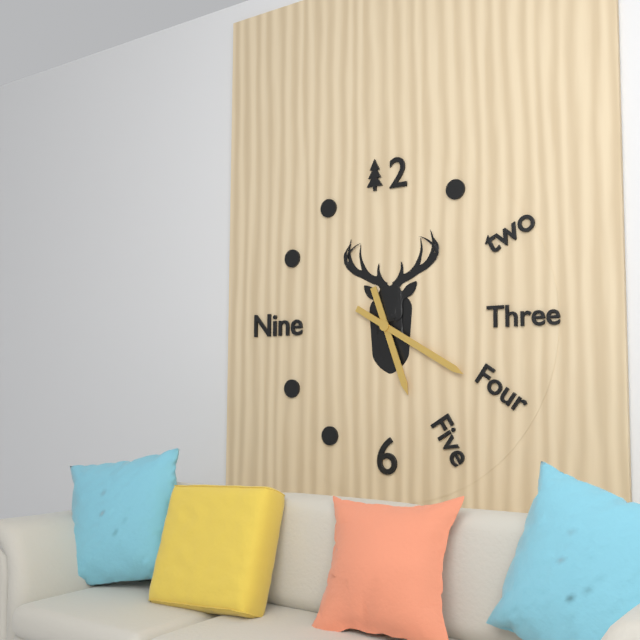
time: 5:20
